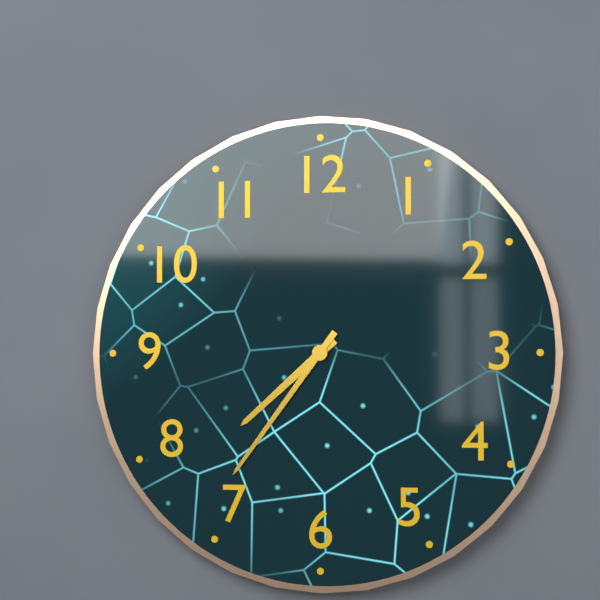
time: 7:36
